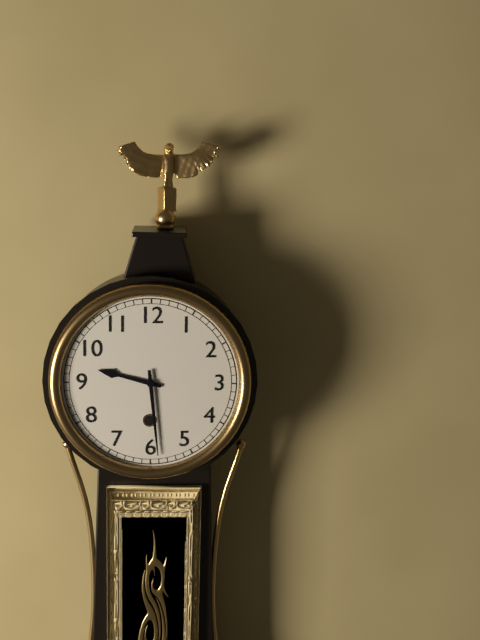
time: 9:29
